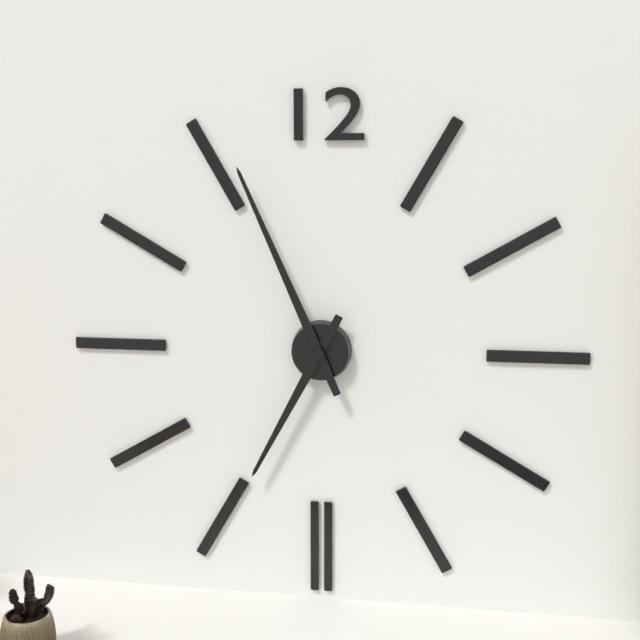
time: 6:56
